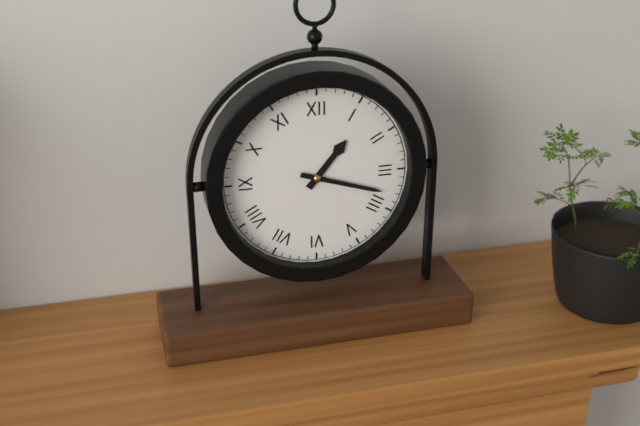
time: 1:18
